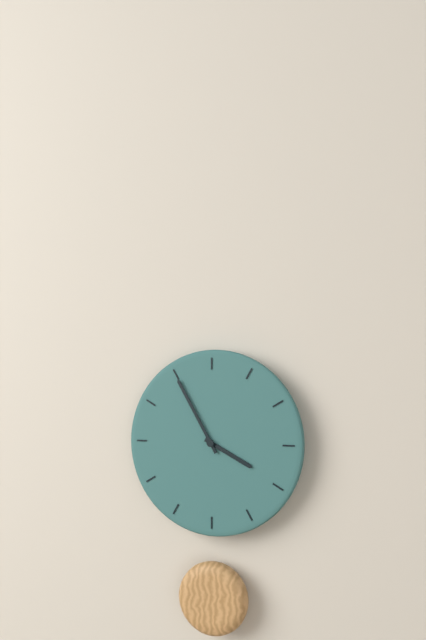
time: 3:55
